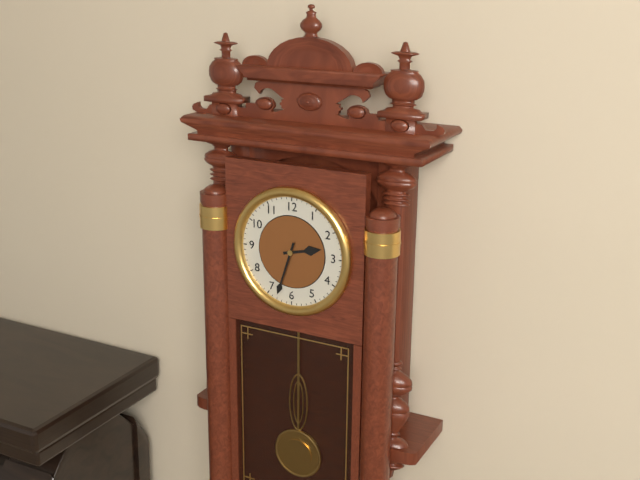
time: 2:33
